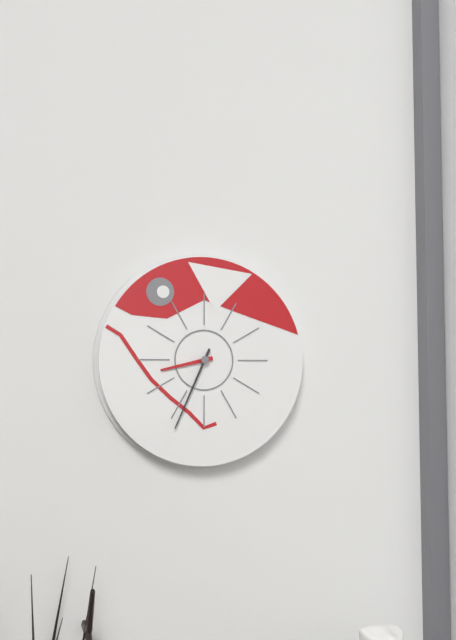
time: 8:34
